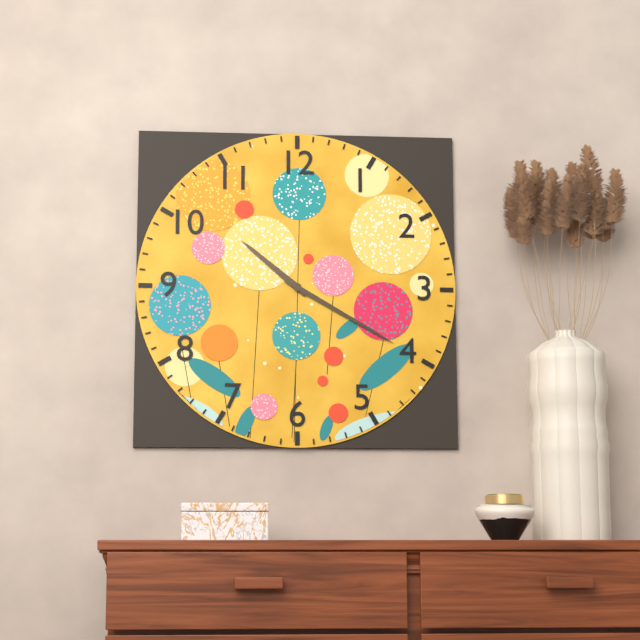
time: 10:20
